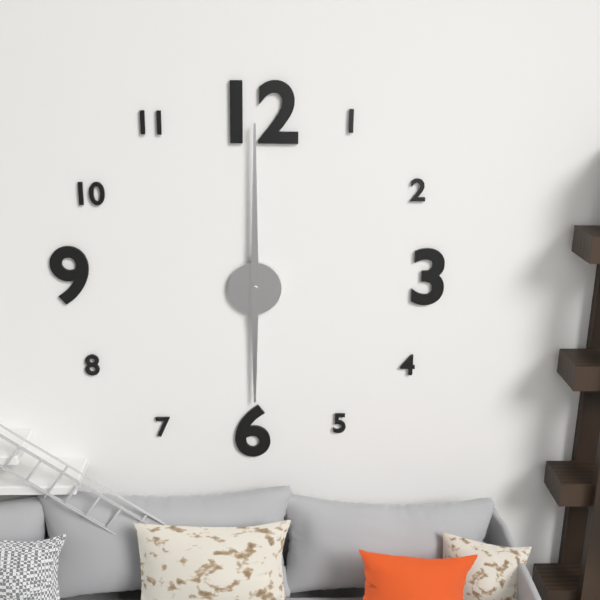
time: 6:00
